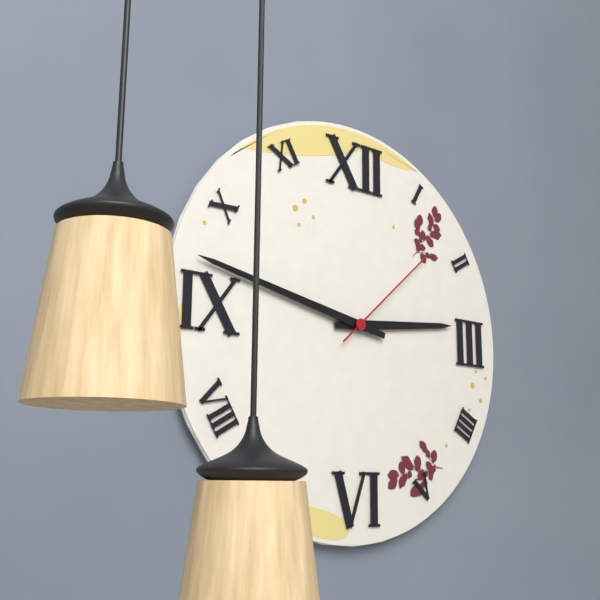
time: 2:47:08
